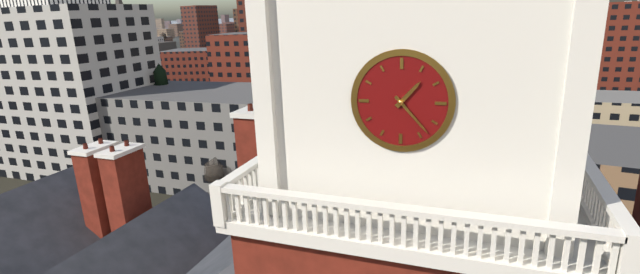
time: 1:23
